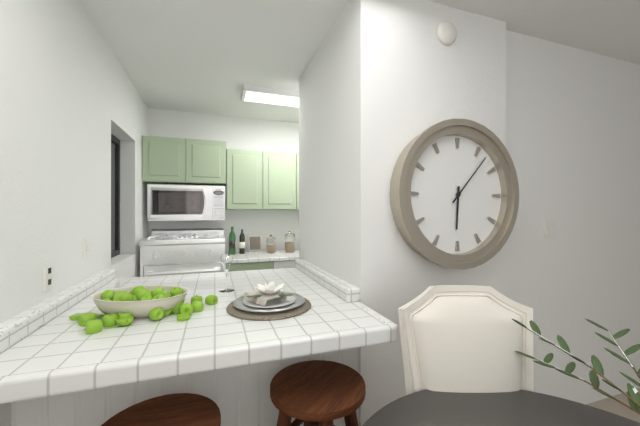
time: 6:07
